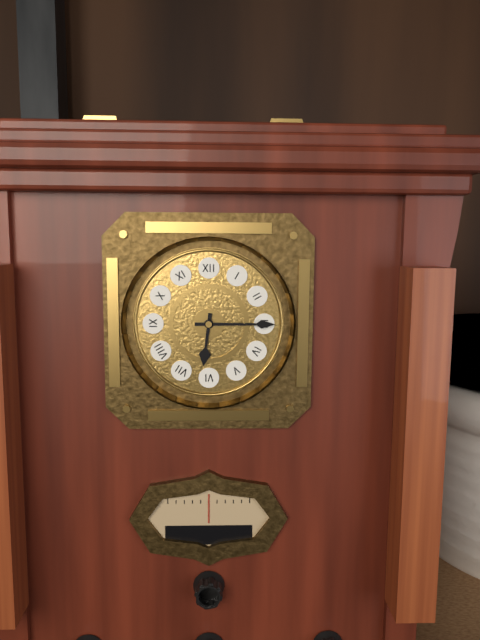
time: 6:15
